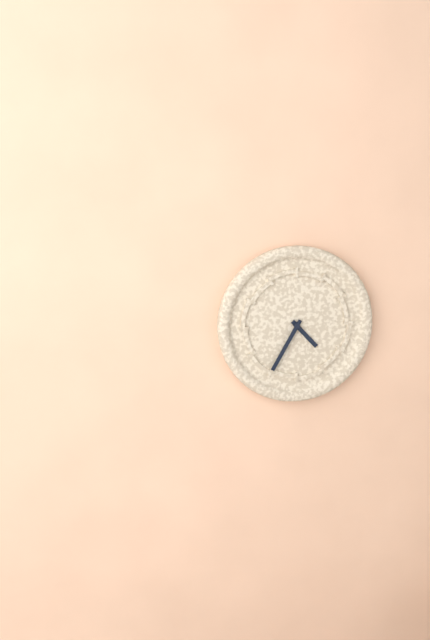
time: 4:35
